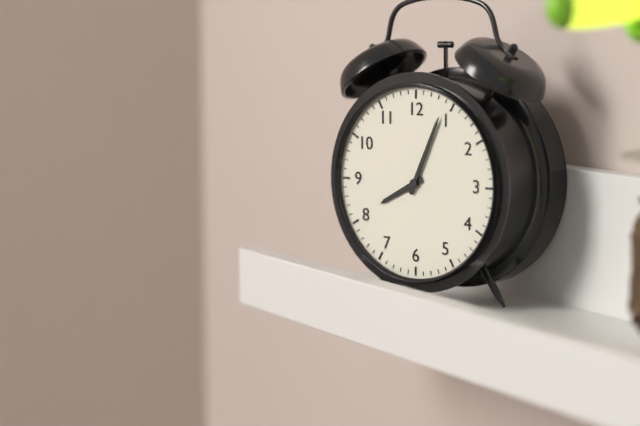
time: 8:04
